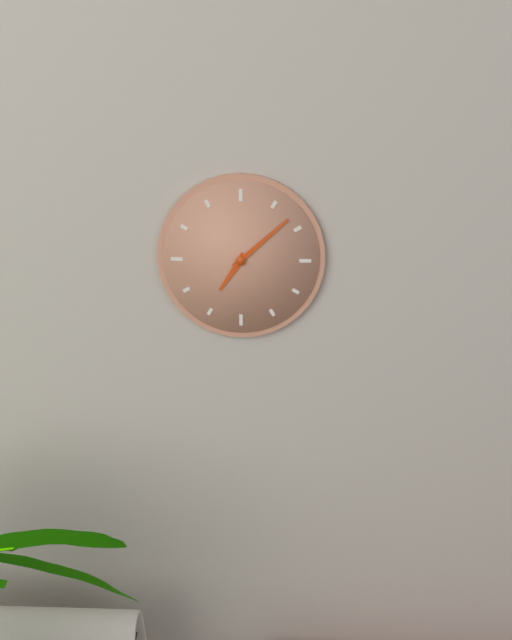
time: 7:08
